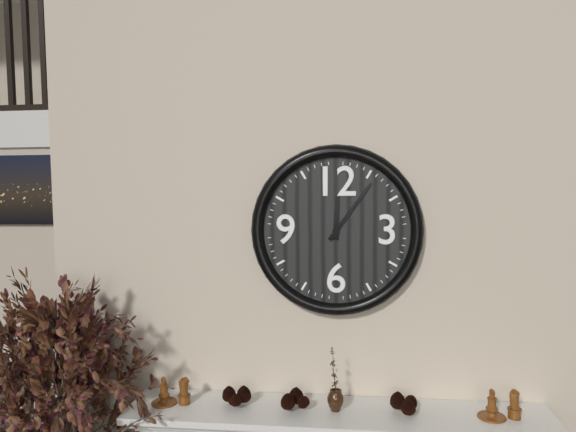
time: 12:06
